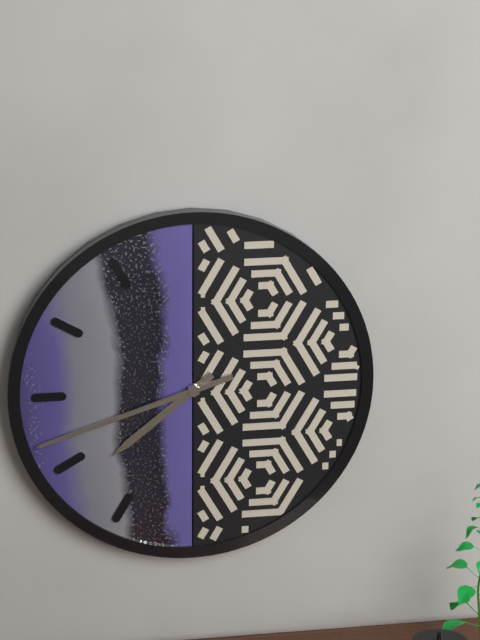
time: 7:42
